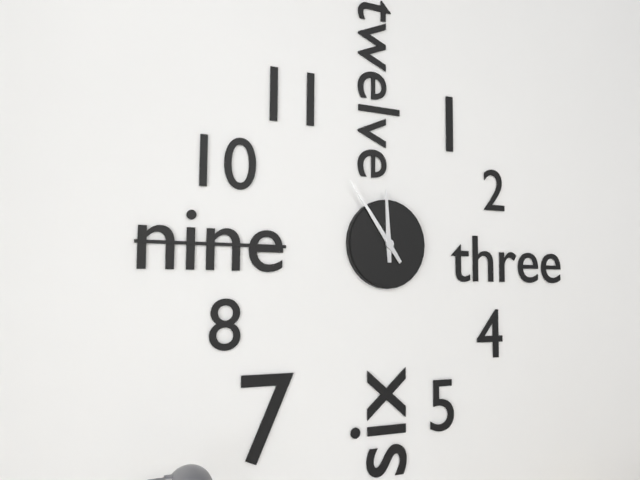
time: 11:54
